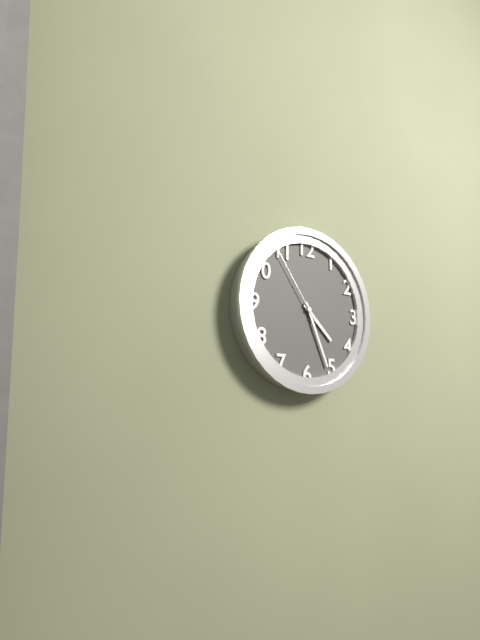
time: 4:26:54
